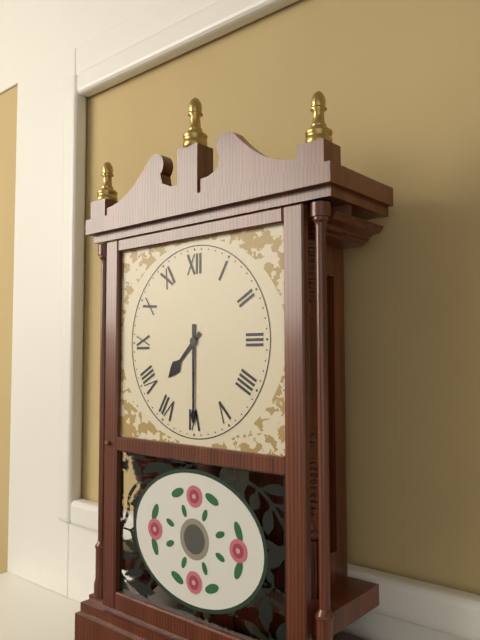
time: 7:30
